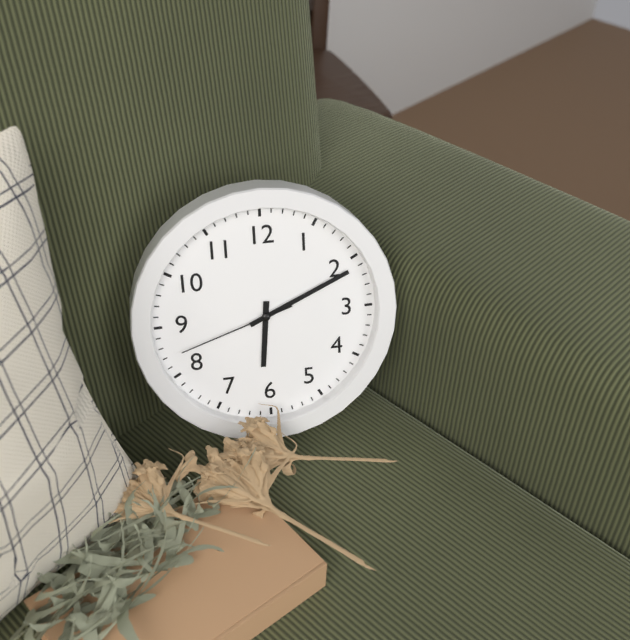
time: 6:11:42
